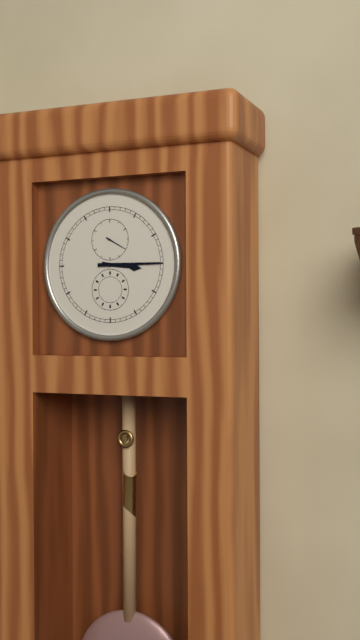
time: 3:15
